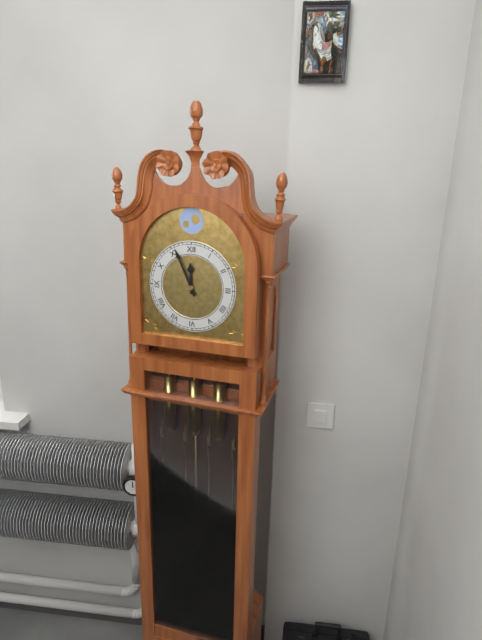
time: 11:56
